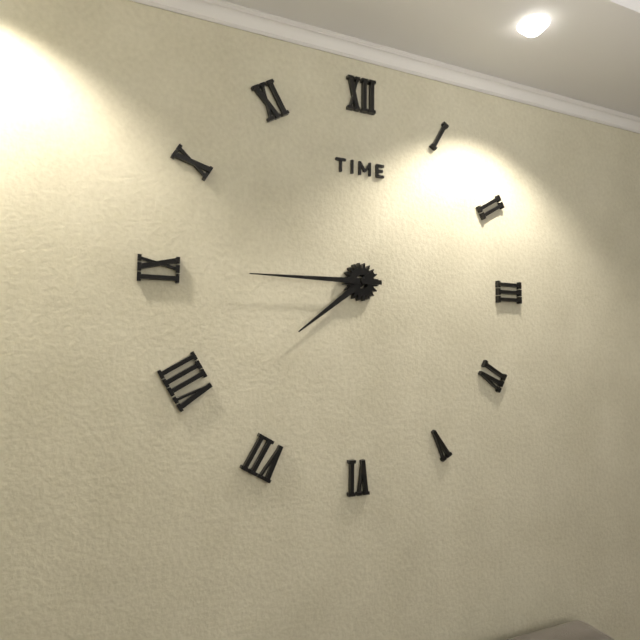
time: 7:45
